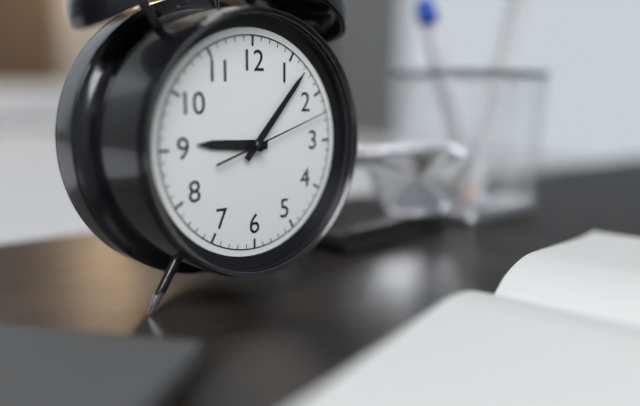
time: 9:07:12
